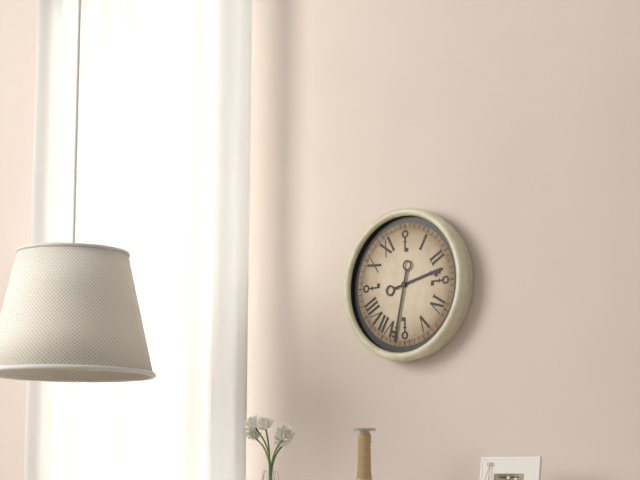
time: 2:32
